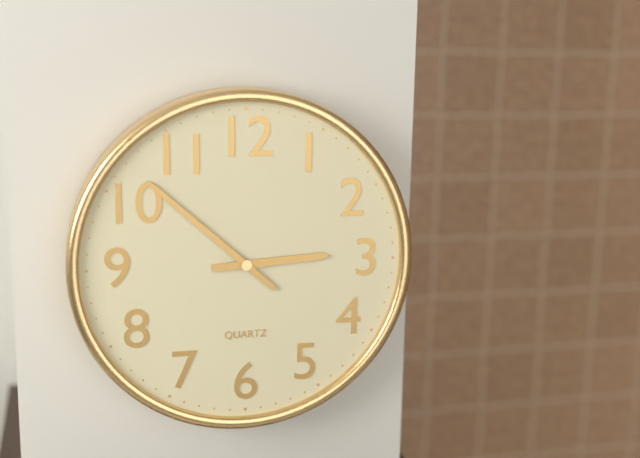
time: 2:52
